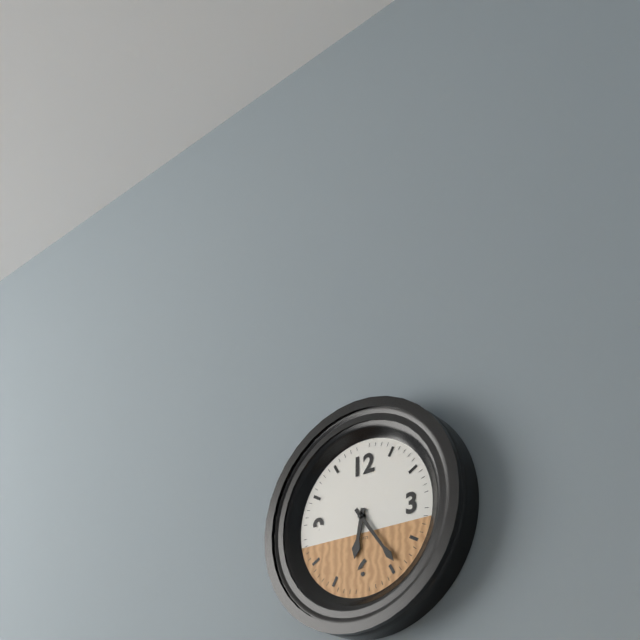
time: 6:24
